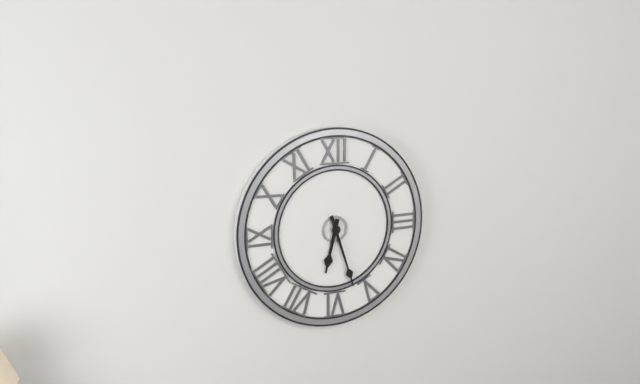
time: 6:27
